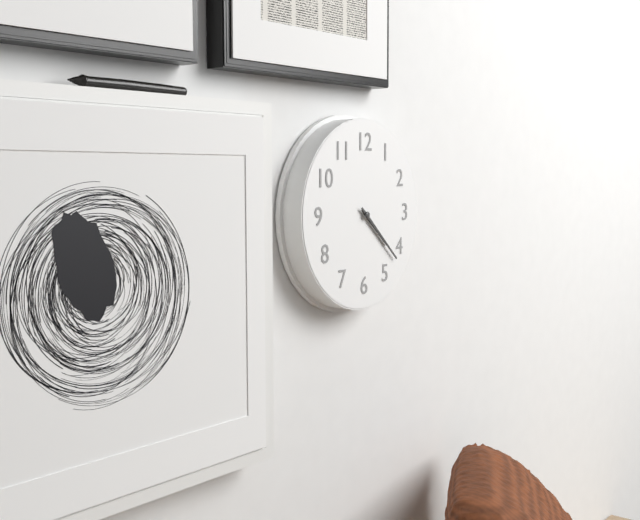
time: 4:22
